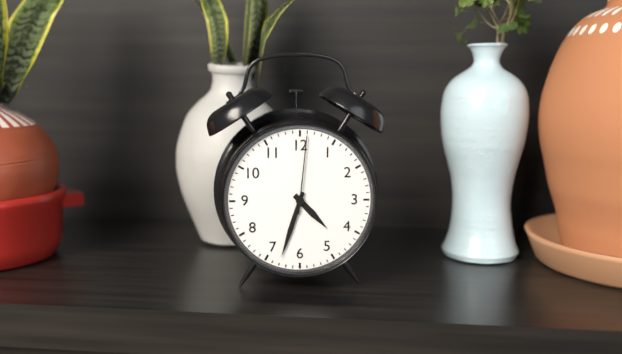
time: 4:33:01
